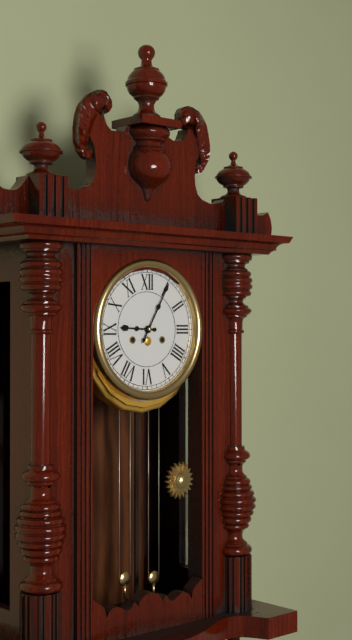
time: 9:05
